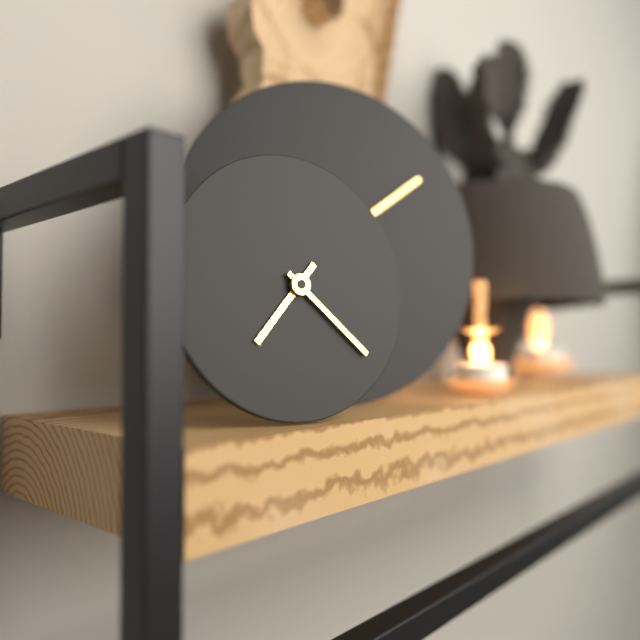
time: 7:22
